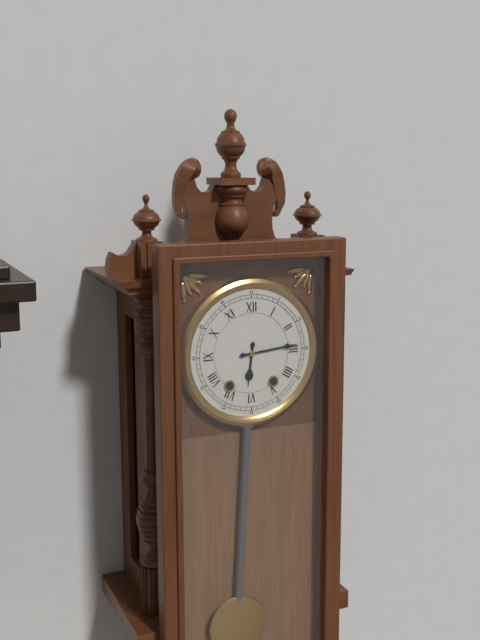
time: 6:14
